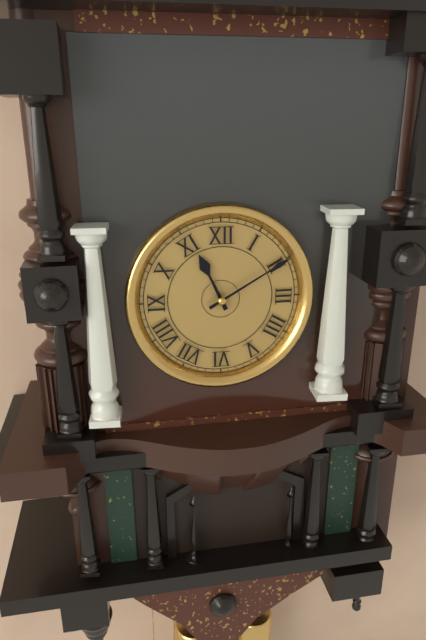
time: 11:10
